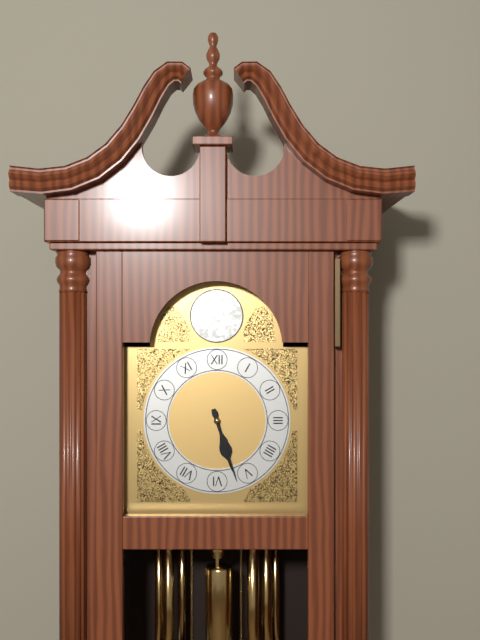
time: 5:27
